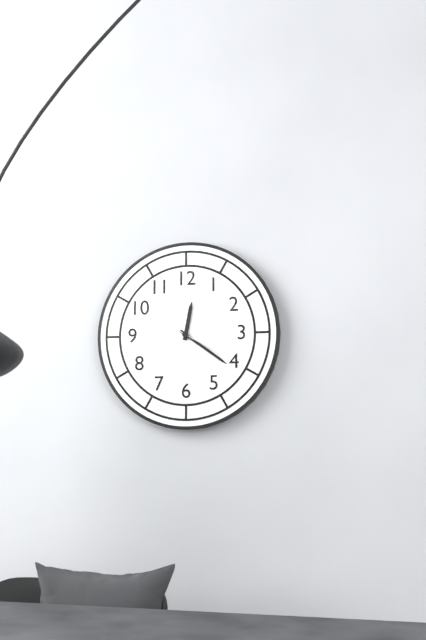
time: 12:21:20
